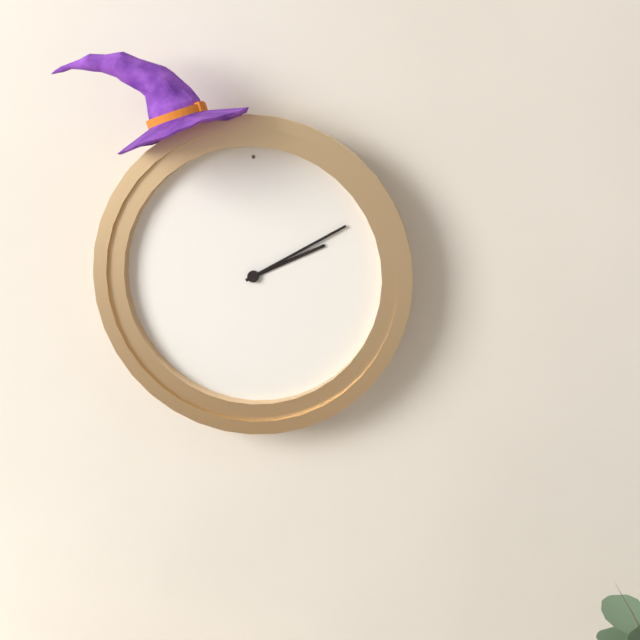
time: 2:10
